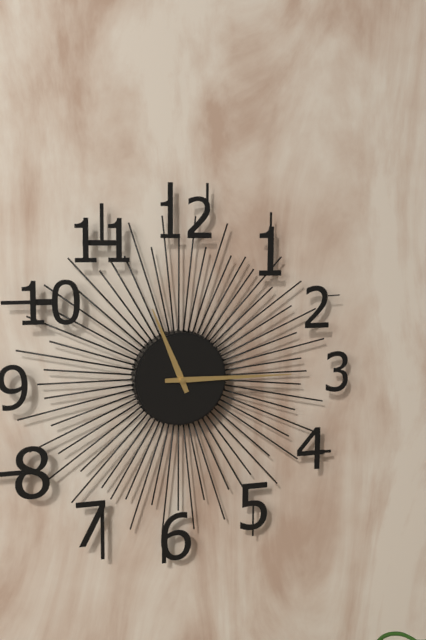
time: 11:15
